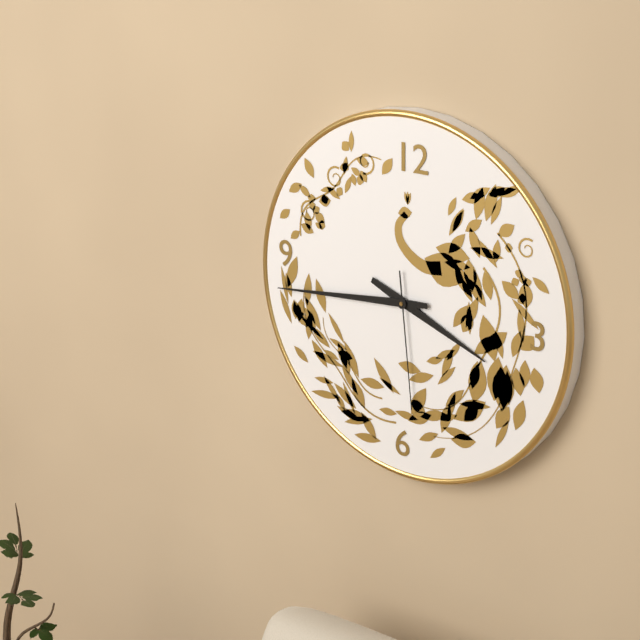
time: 3:44:29
